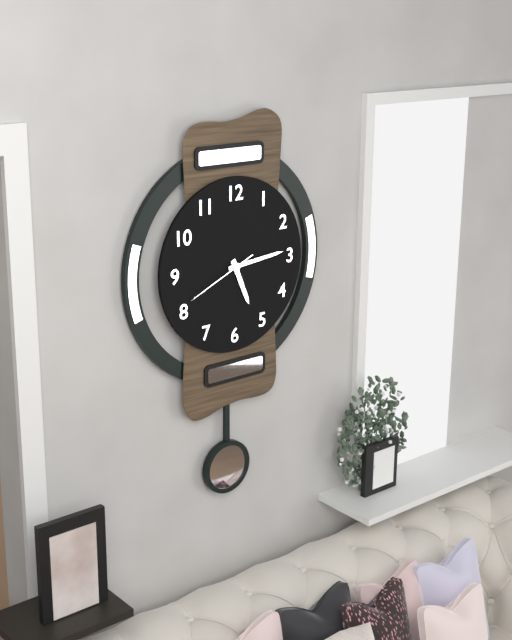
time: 5:14:41
